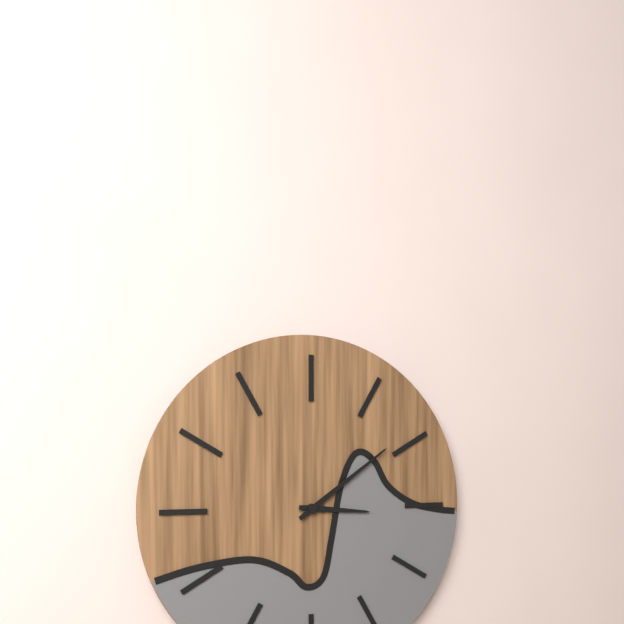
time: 3:09
